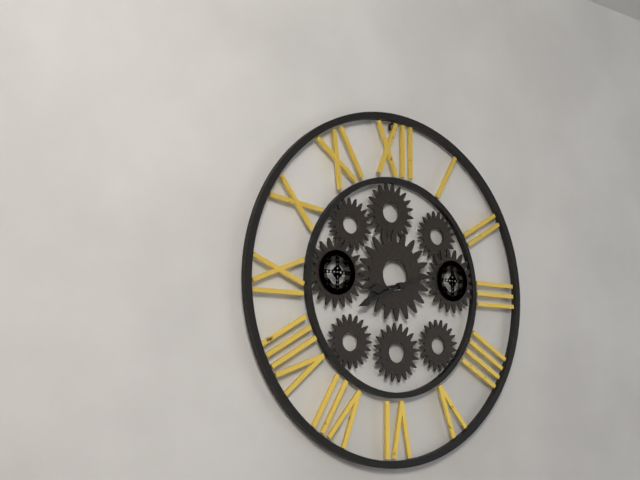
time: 8:41:12
